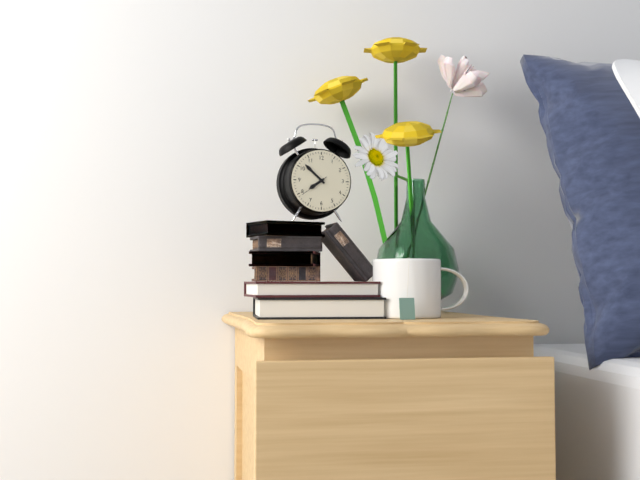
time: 7:52
